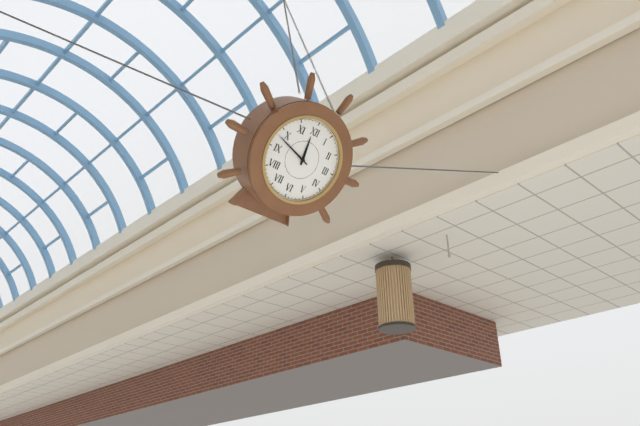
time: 11:48
